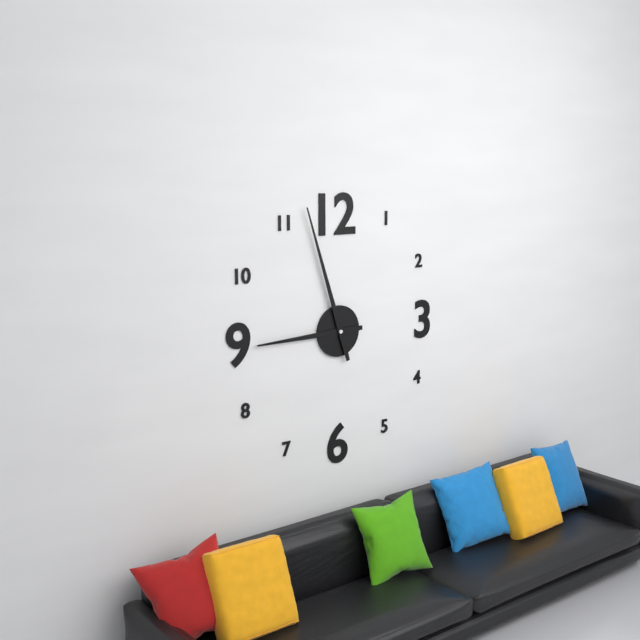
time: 8:57
